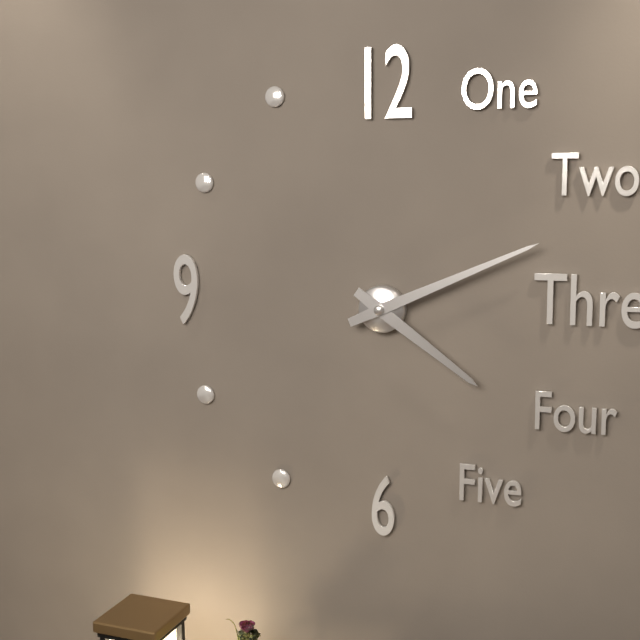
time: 4:11
